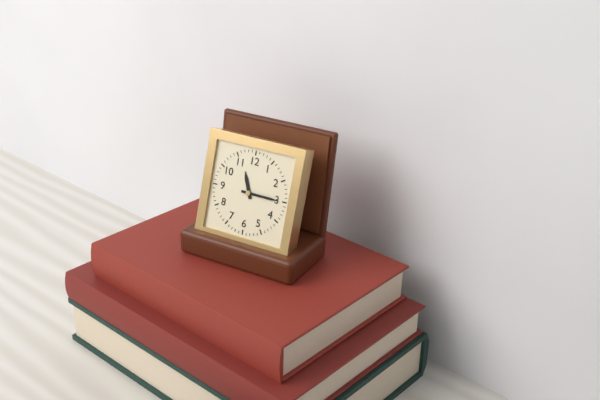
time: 11:15
